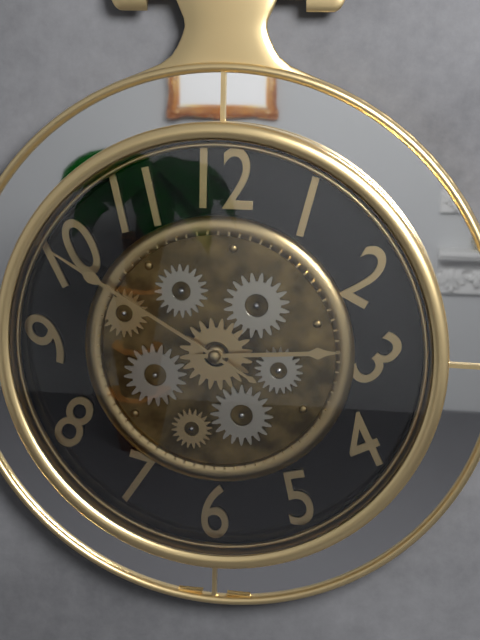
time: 2:50
